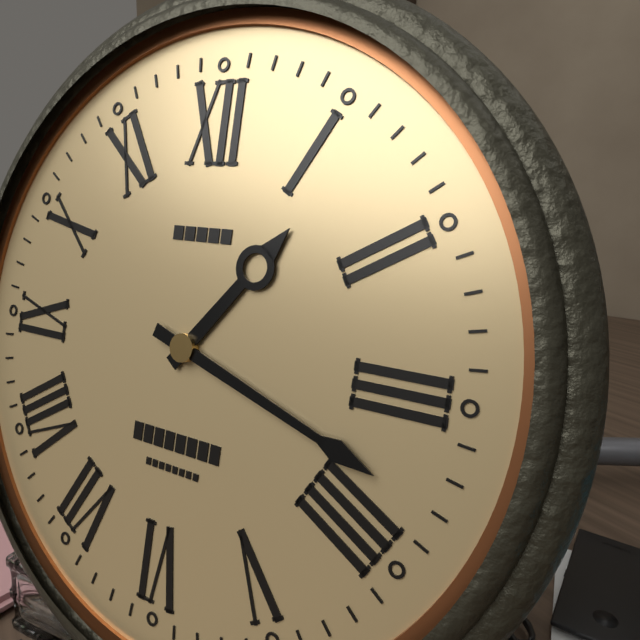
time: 1:18
